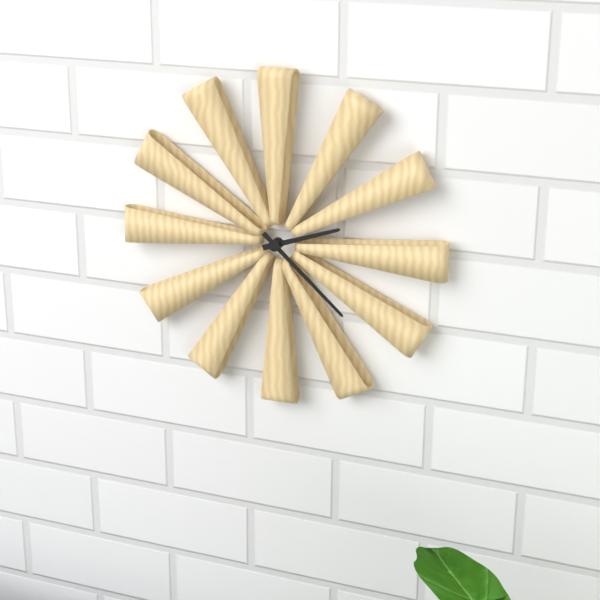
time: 2:22
